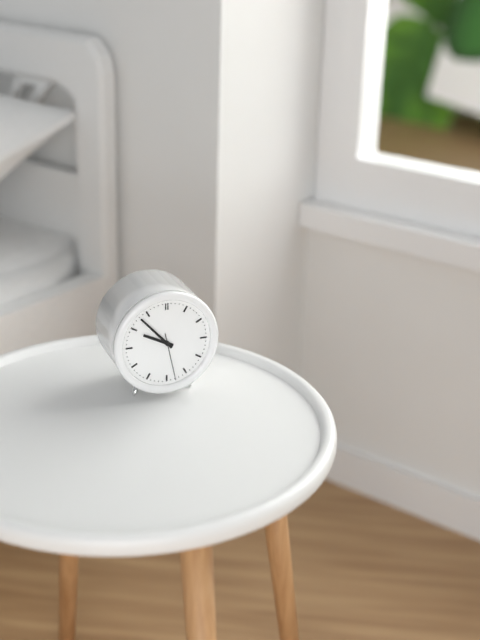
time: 9:53
